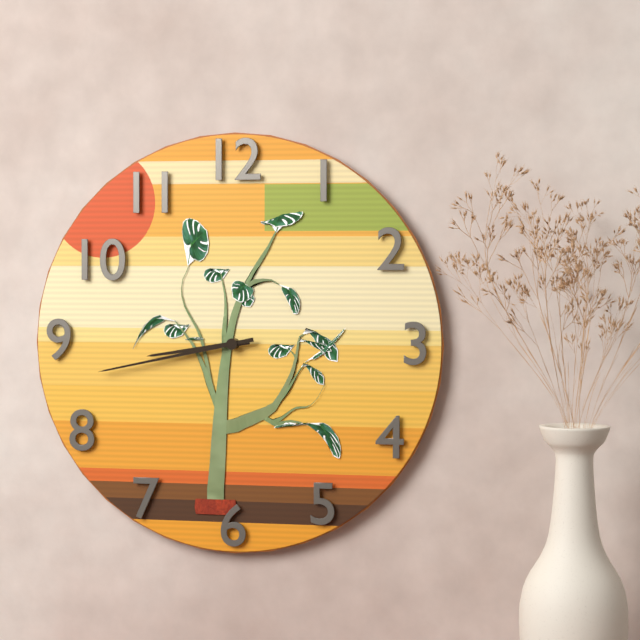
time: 8:43
